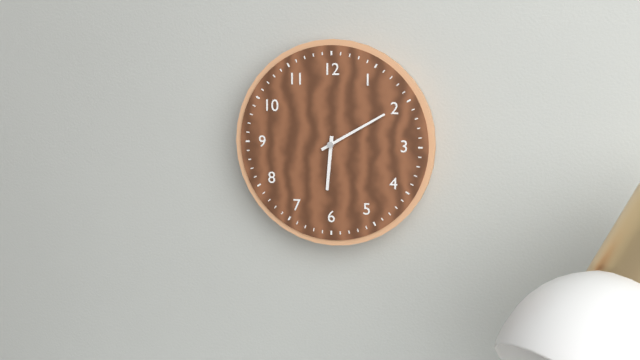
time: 6:10
